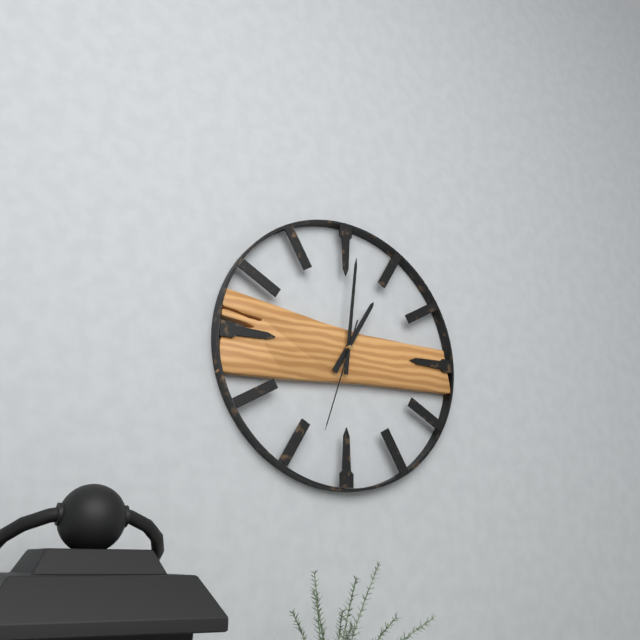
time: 1:01:33
